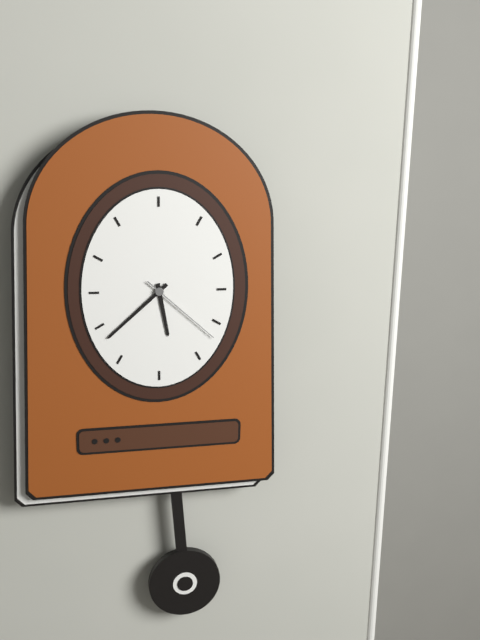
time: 5:38:22
